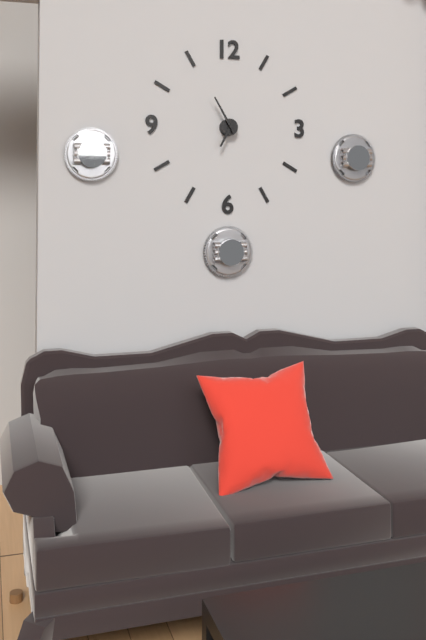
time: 6:55
